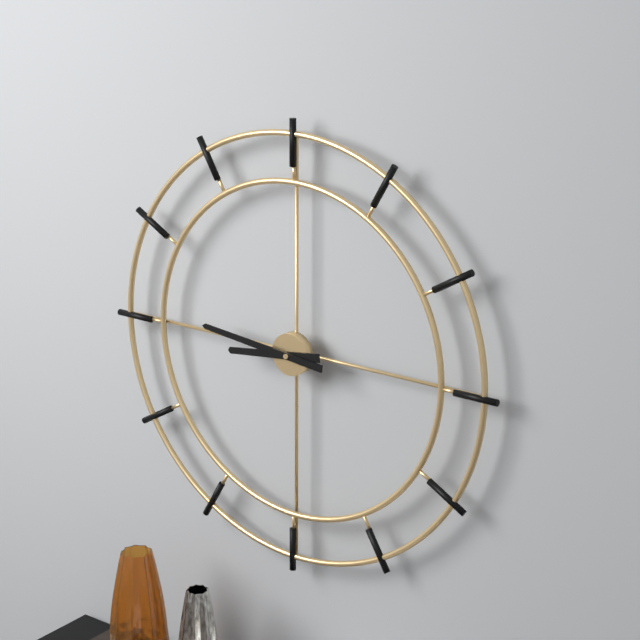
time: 8:46
